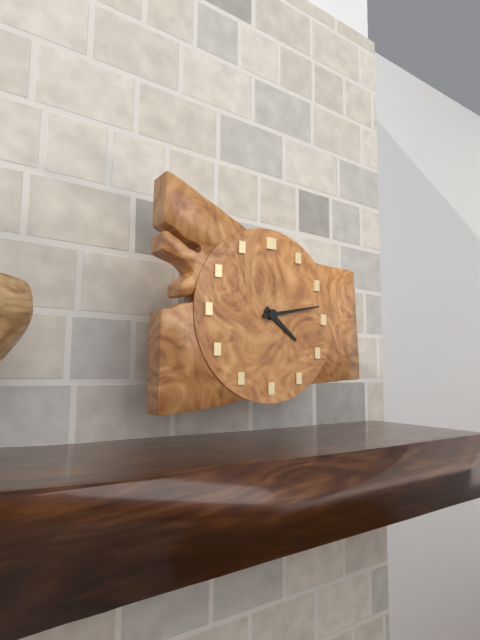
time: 4:13
